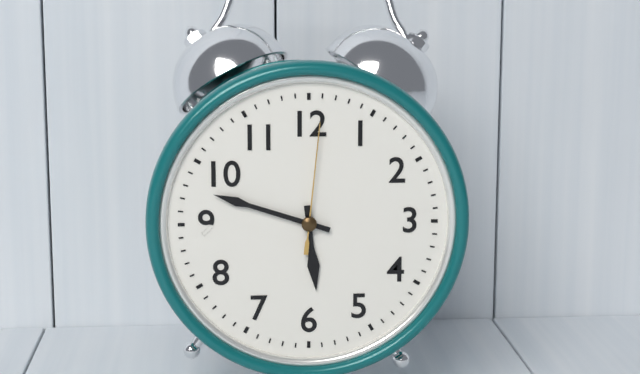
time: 5:48:01
